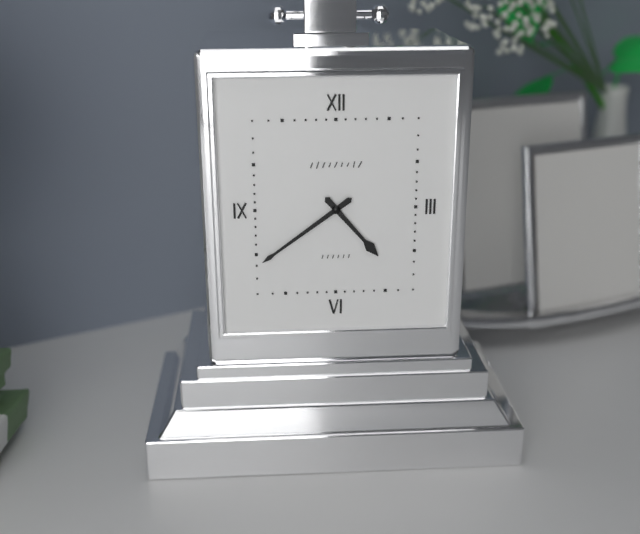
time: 4:39
